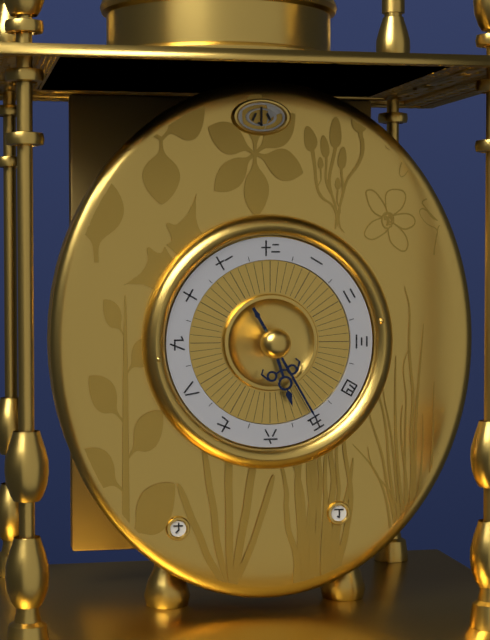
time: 5:25
